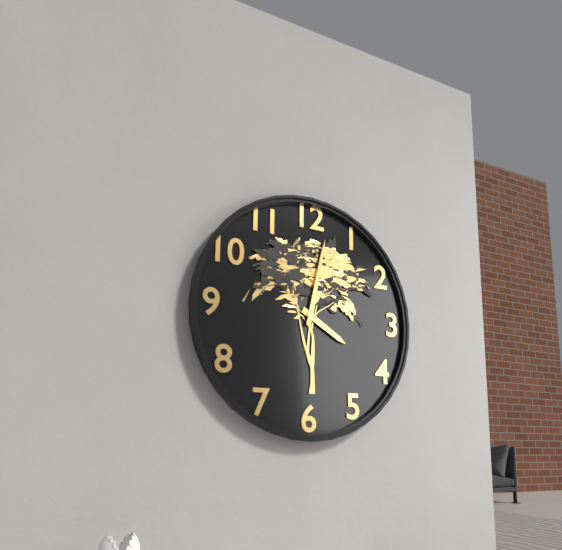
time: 4:02
